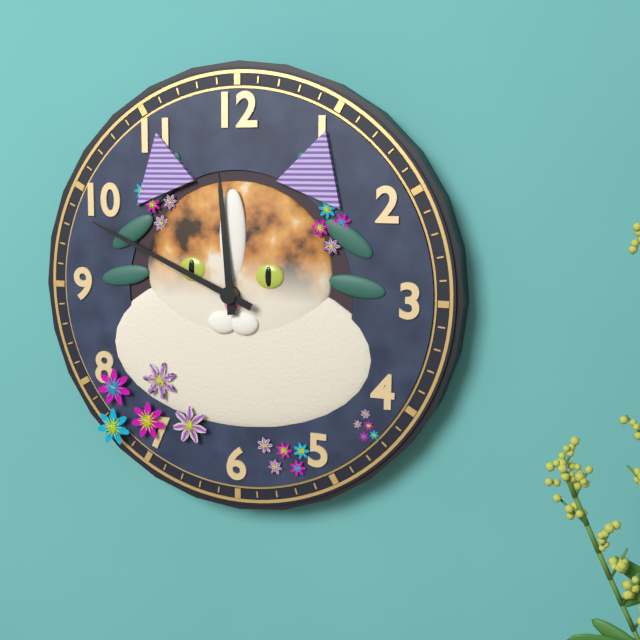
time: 11:49
